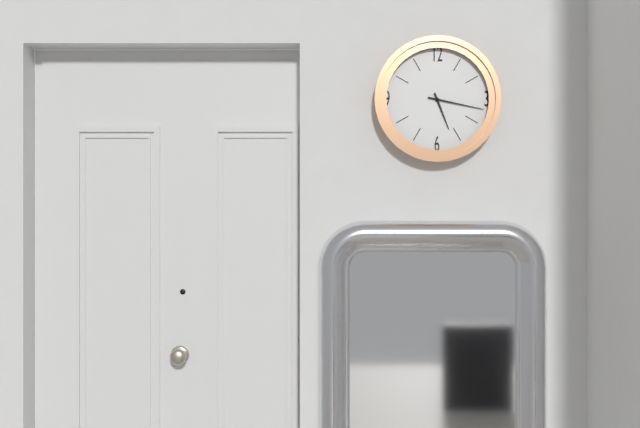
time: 5:17
